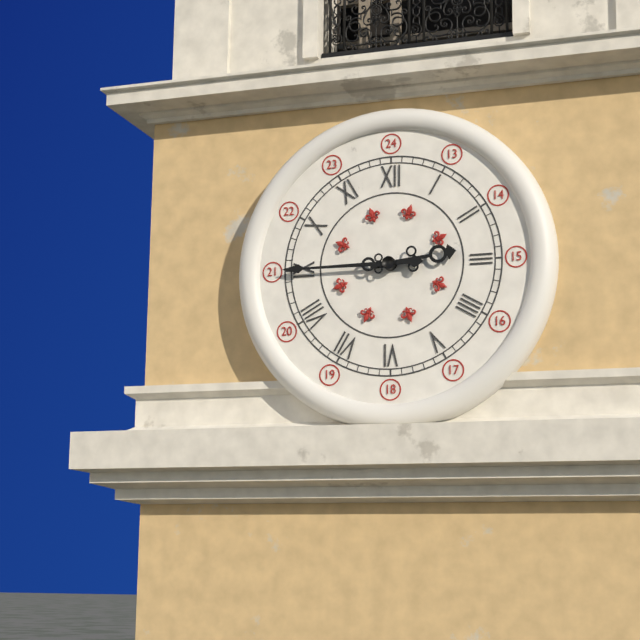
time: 2:45
